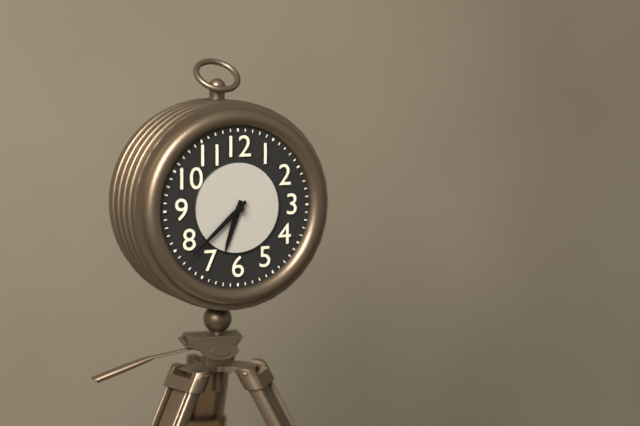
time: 6:38
